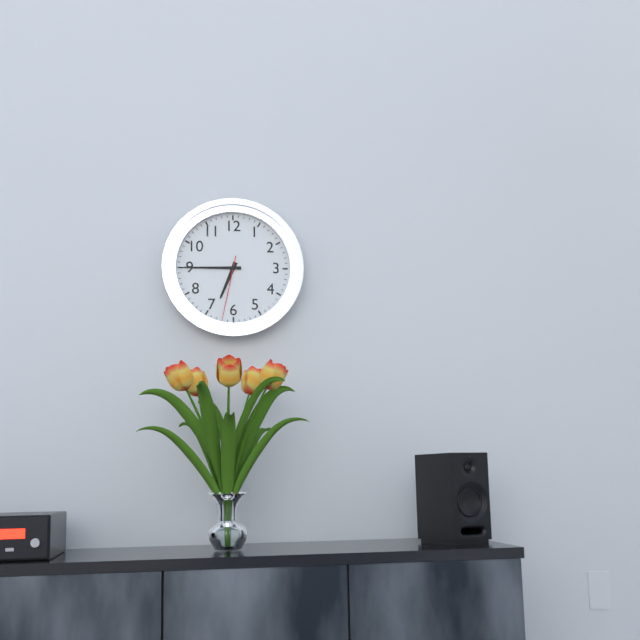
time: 6:45:32
